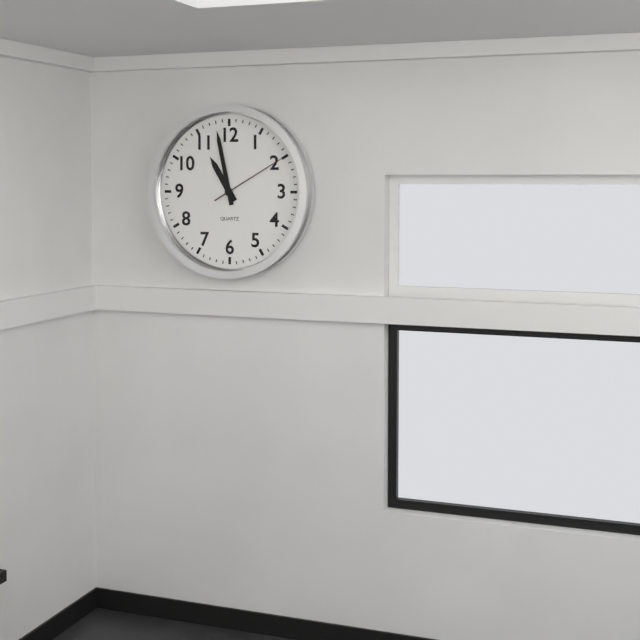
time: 10:58:10
